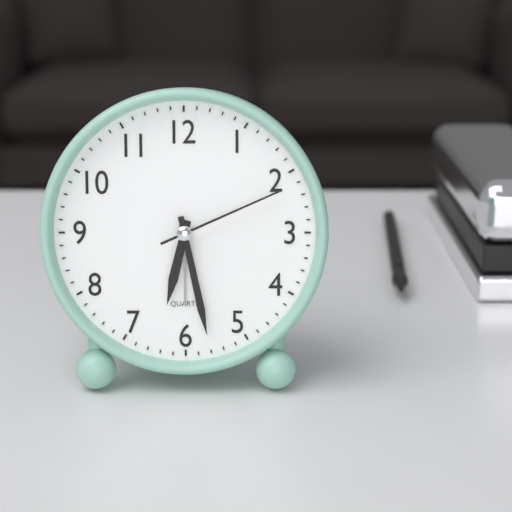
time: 6:28:11
